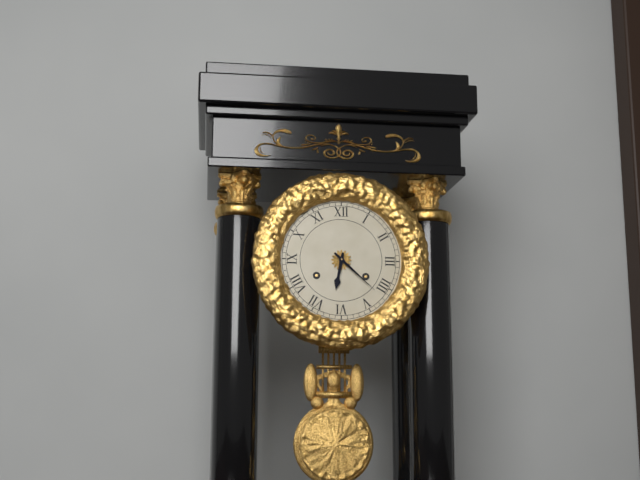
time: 6:22
